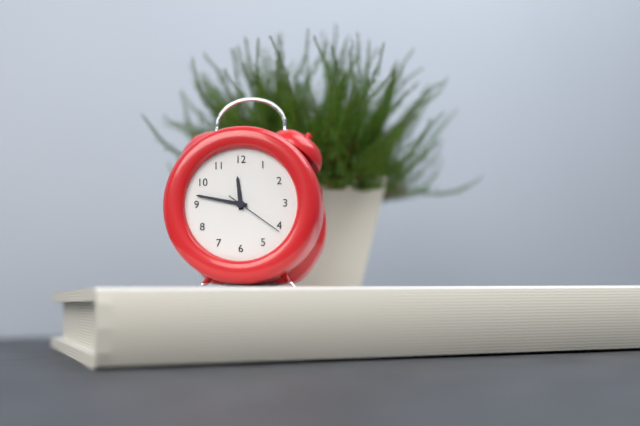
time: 11:47:21
